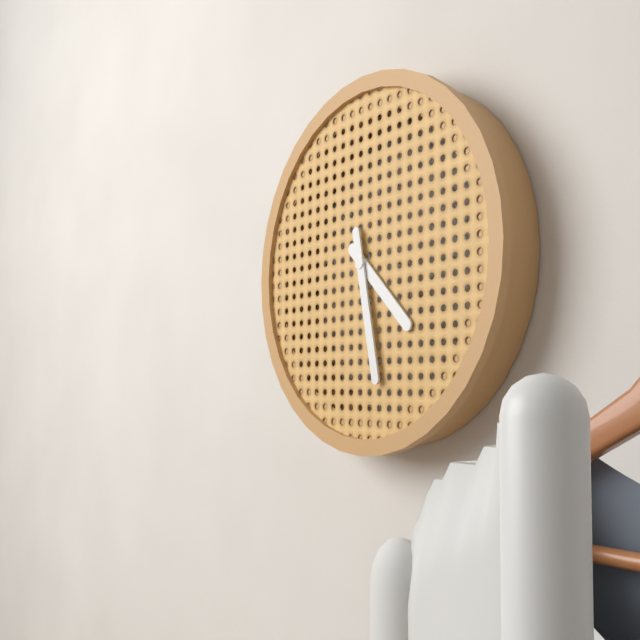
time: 4:28
